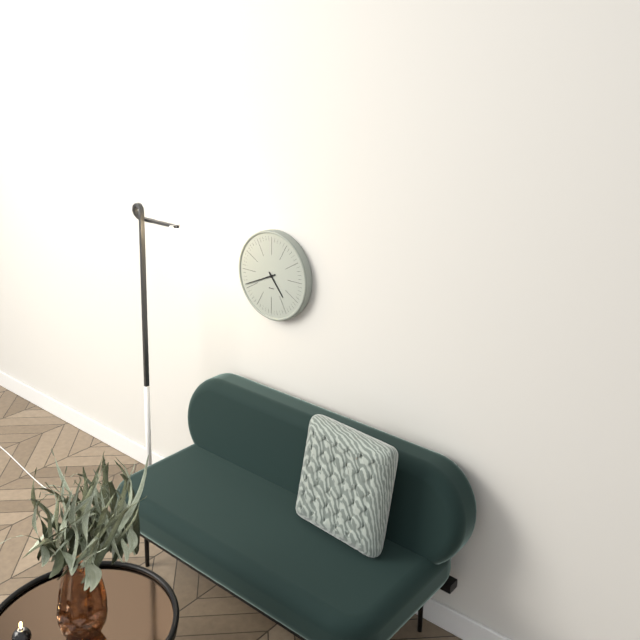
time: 4:41
